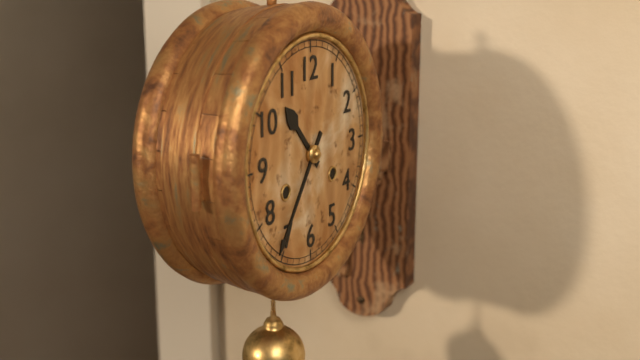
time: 10:36
